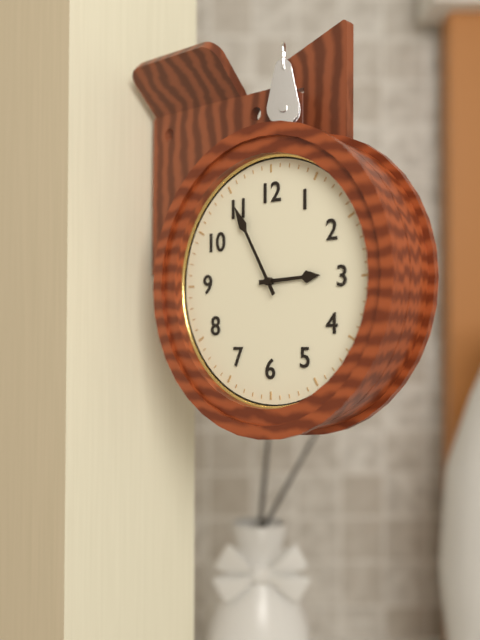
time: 2:55
